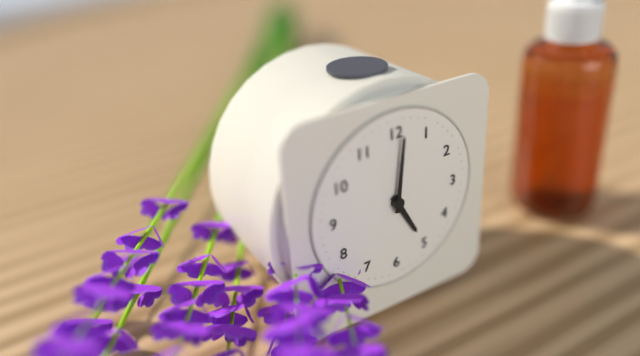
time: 5:01
